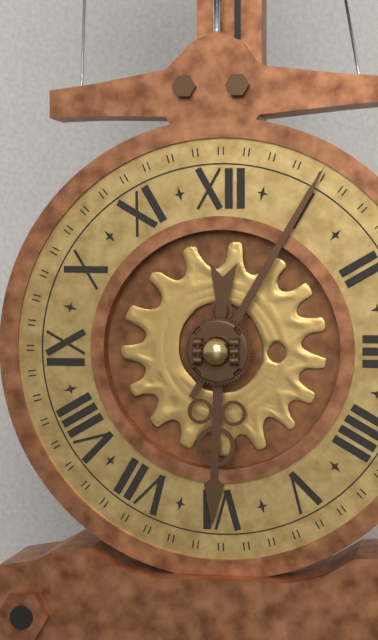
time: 6:05
